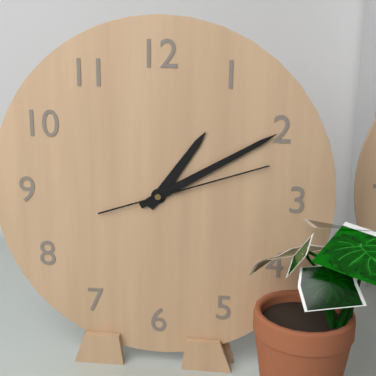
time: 1:10:12
